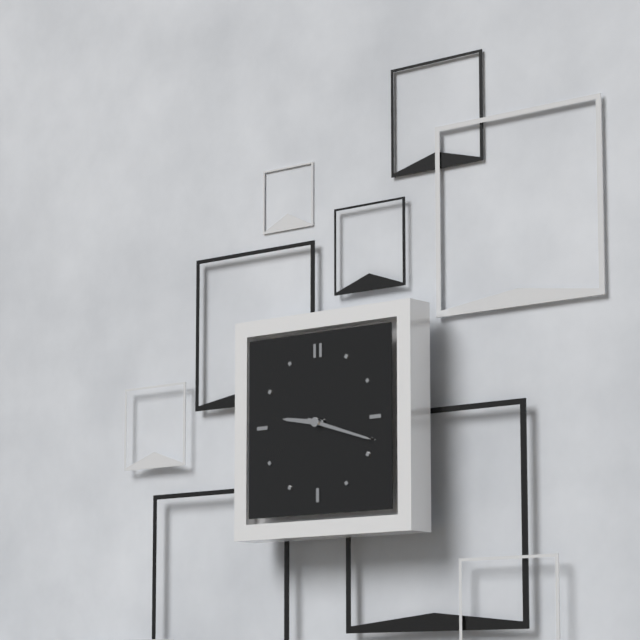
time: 9:18
